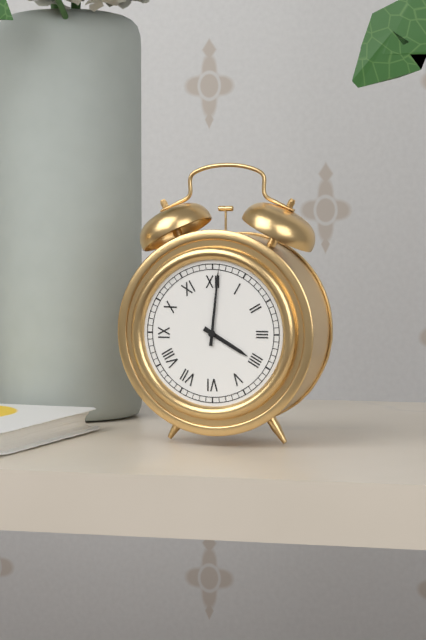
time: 4:01
